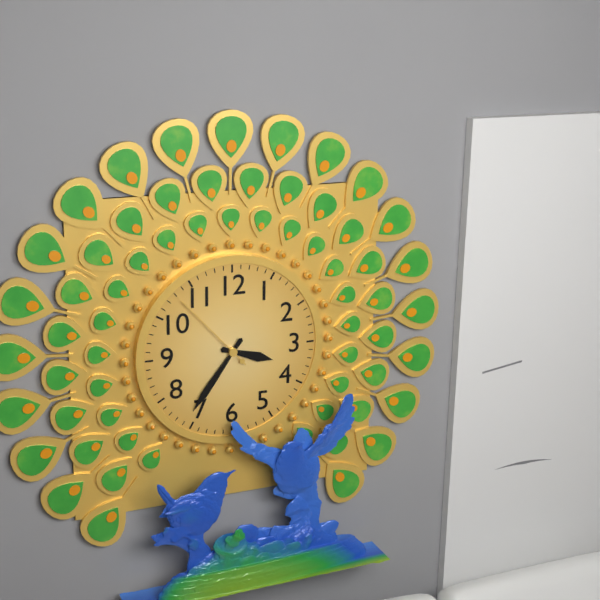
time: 3:36:53
